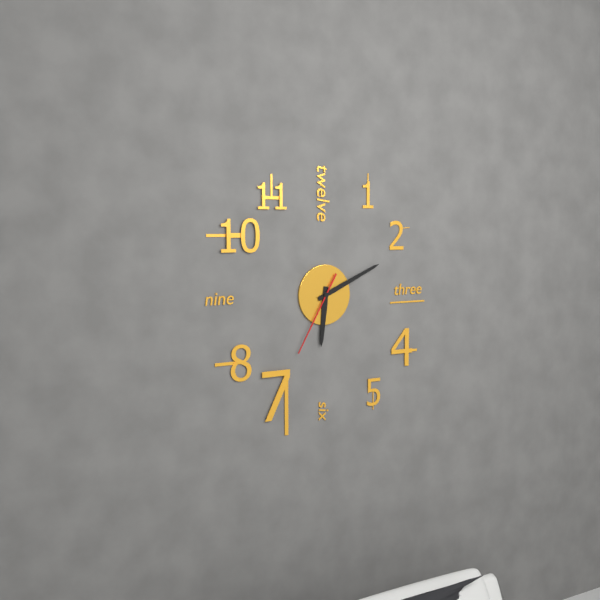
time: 6:11:35
